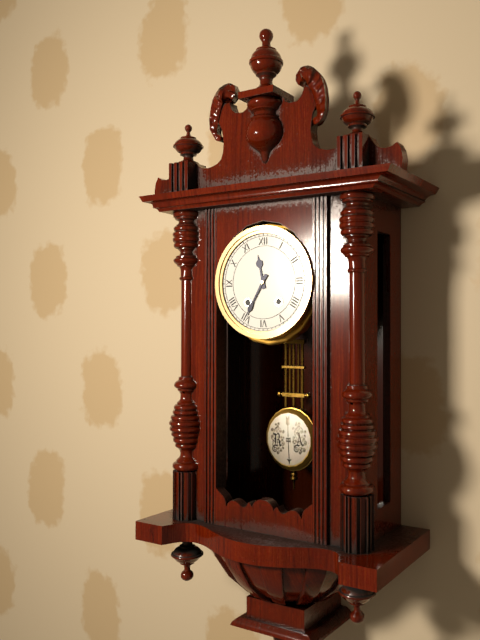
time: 11:35
